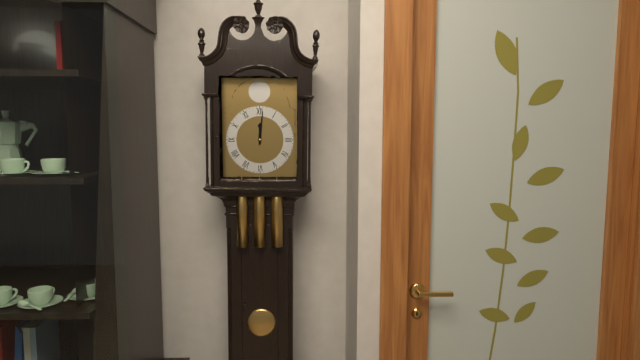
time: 12:01
